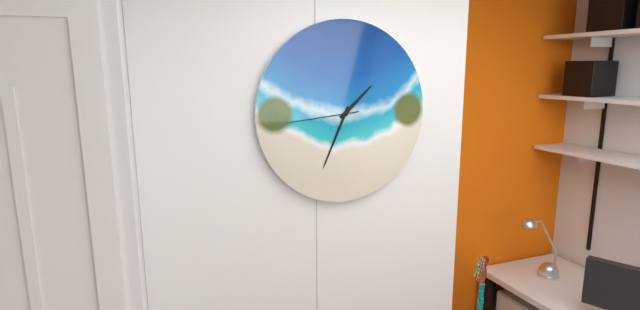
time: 1:34:44
